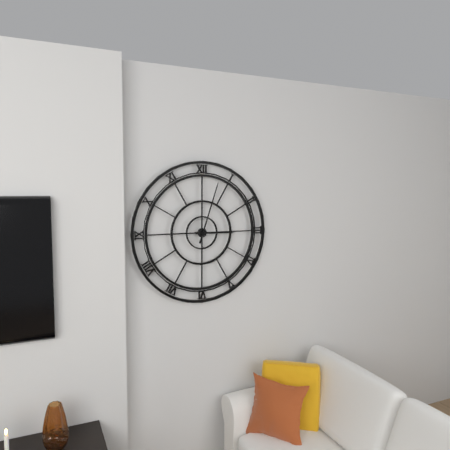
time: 3:03
